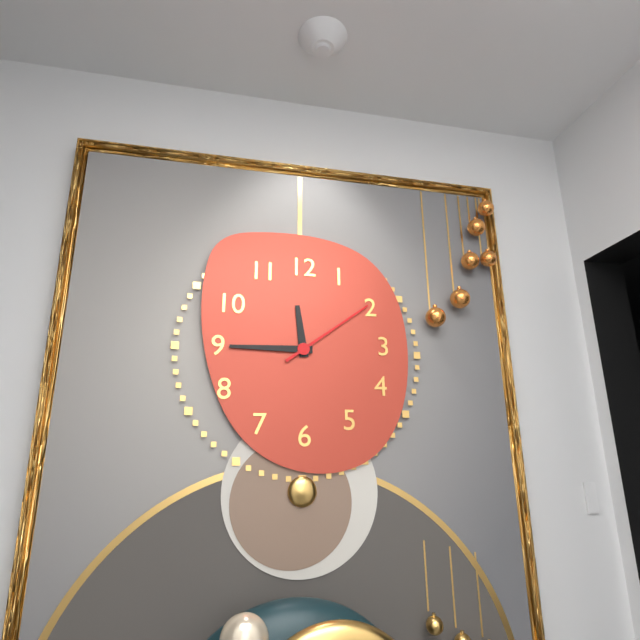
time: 11:45:09
